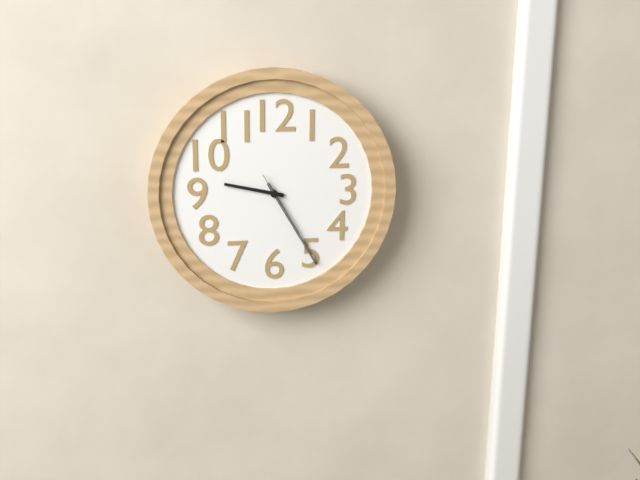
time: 9:25:25
